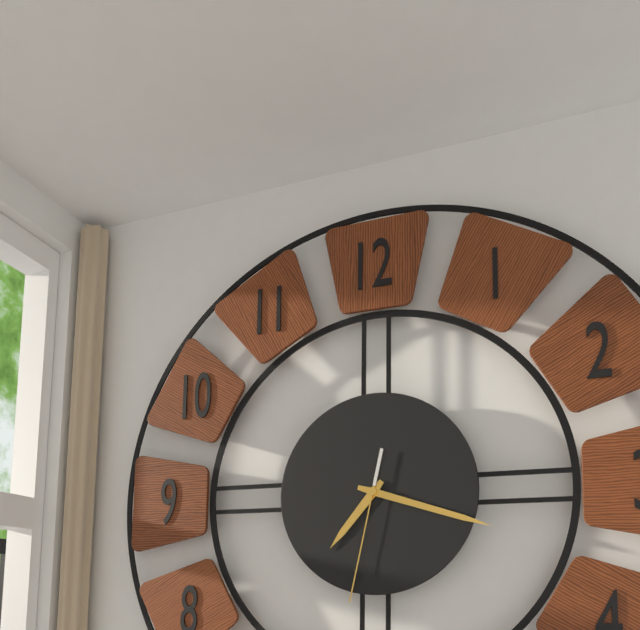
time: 7:18:32
